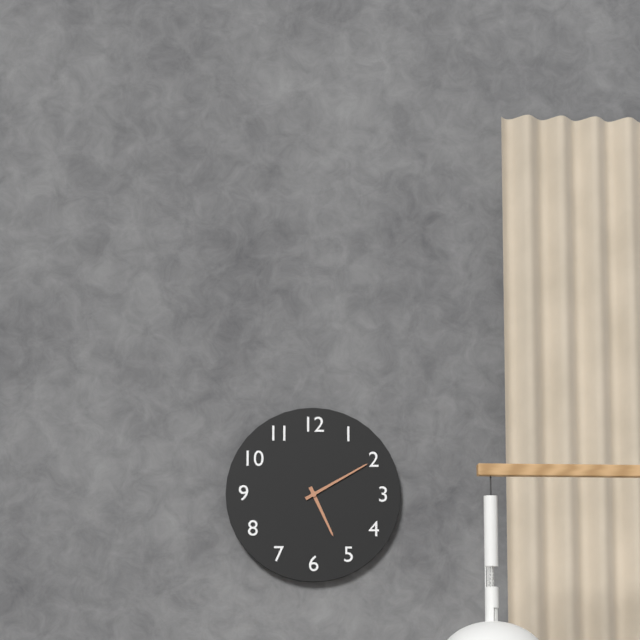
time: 5:10
